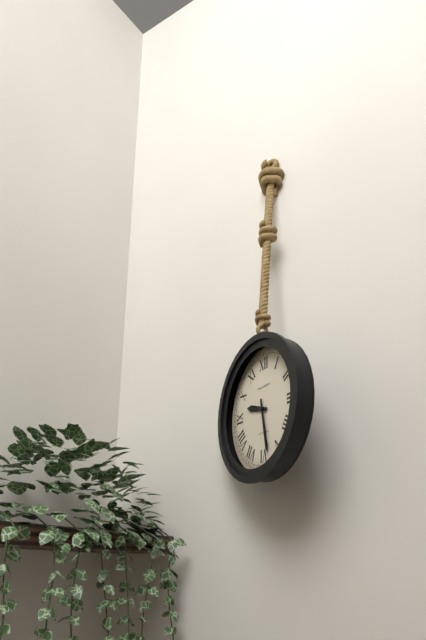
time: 9:28
